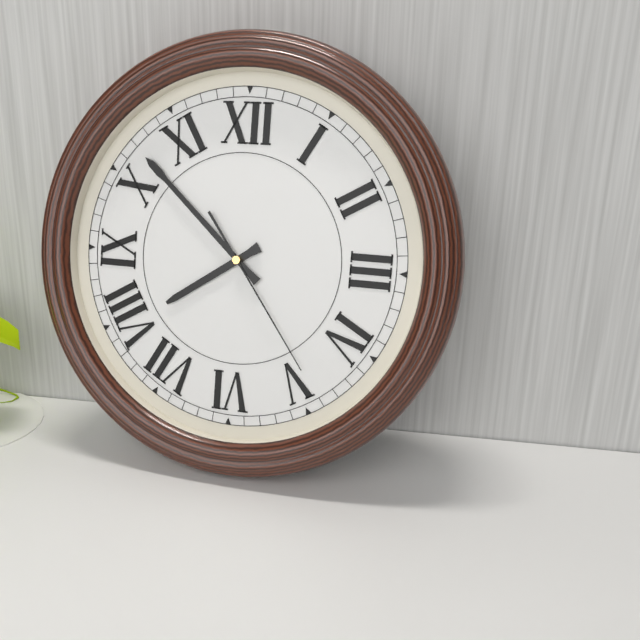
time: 7:52:24
